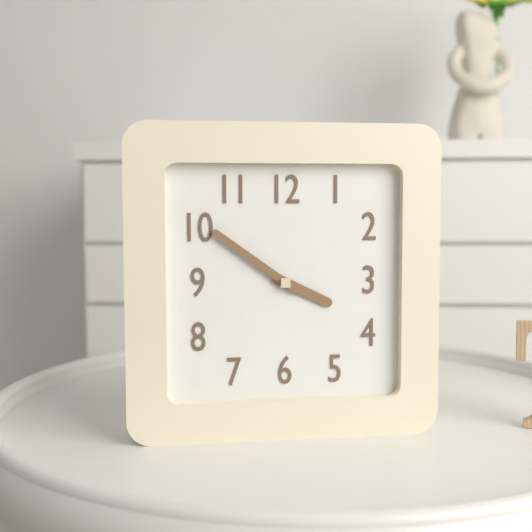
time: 3:51
